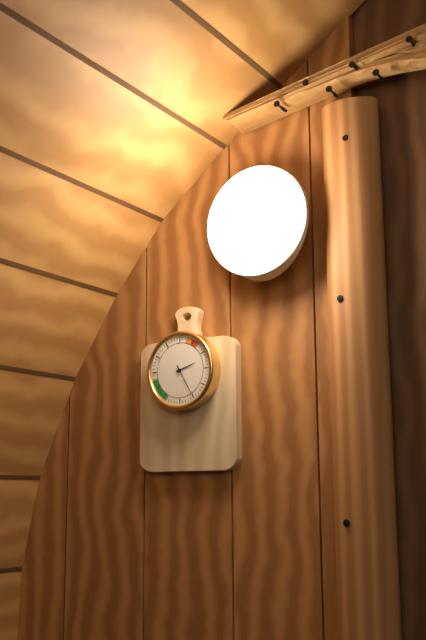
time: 2:25
